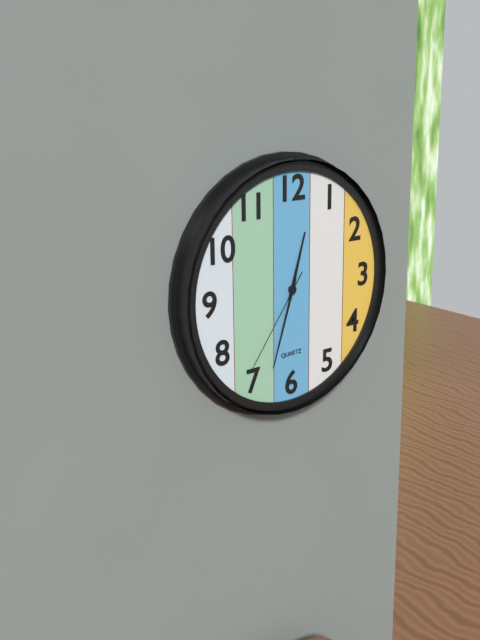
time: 12:33:36
